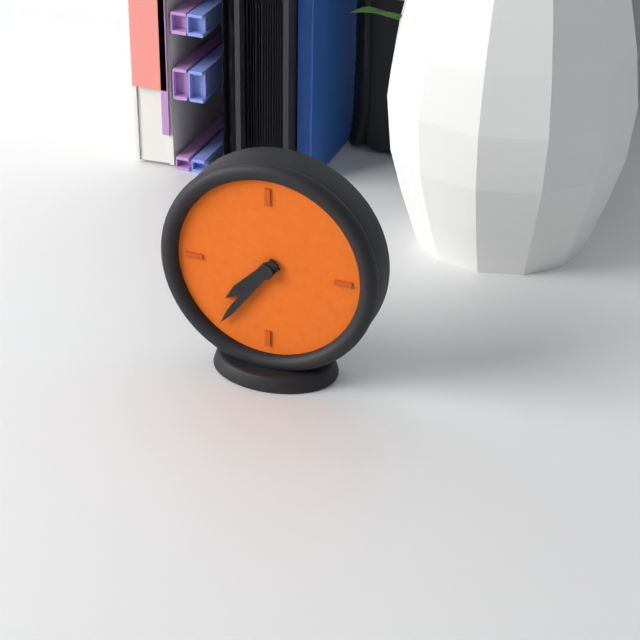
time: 7:36
